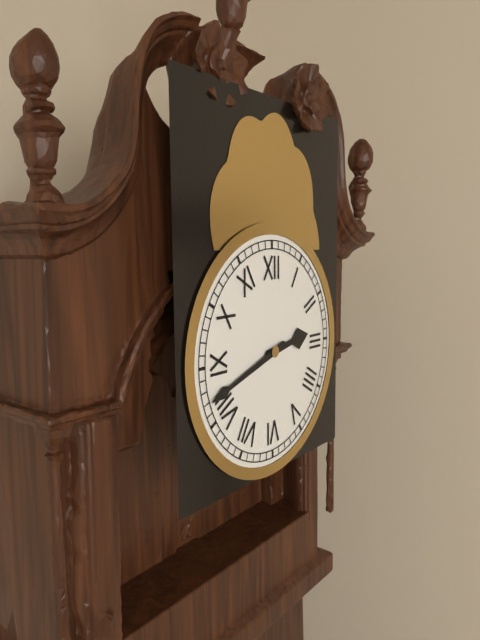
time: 2:42
